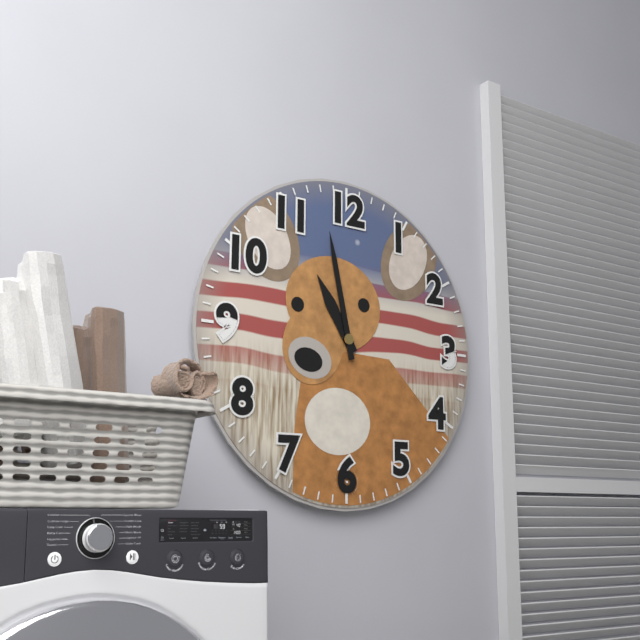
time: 10:58
